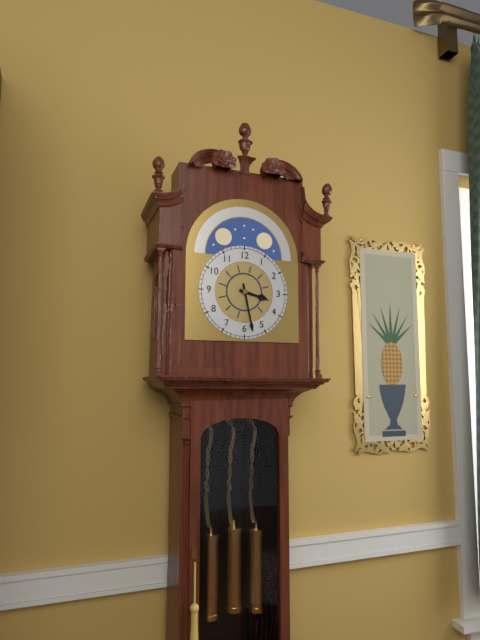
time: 3:28
